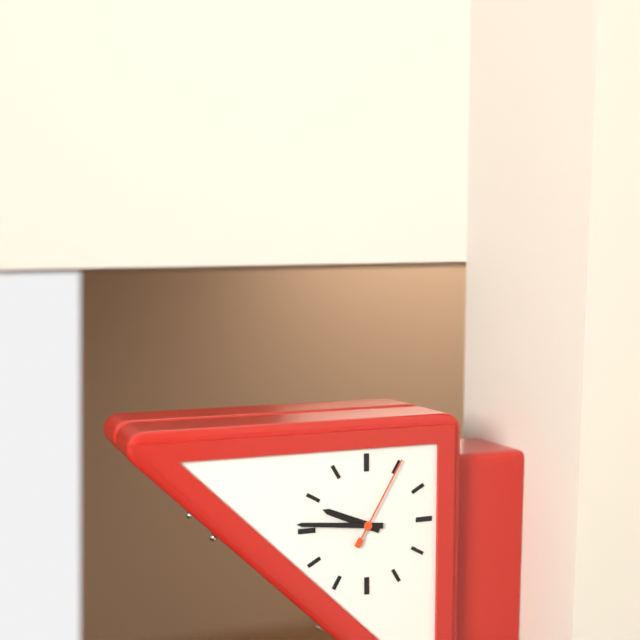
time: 9:46:05
